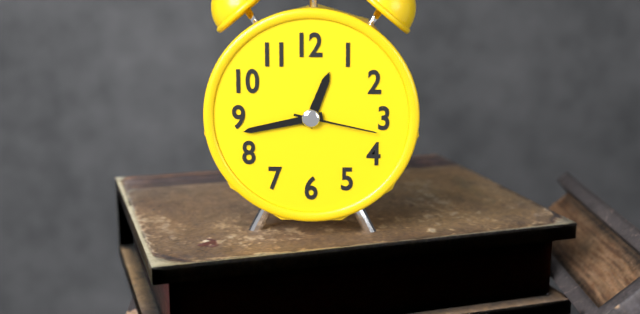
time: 12:43:17
